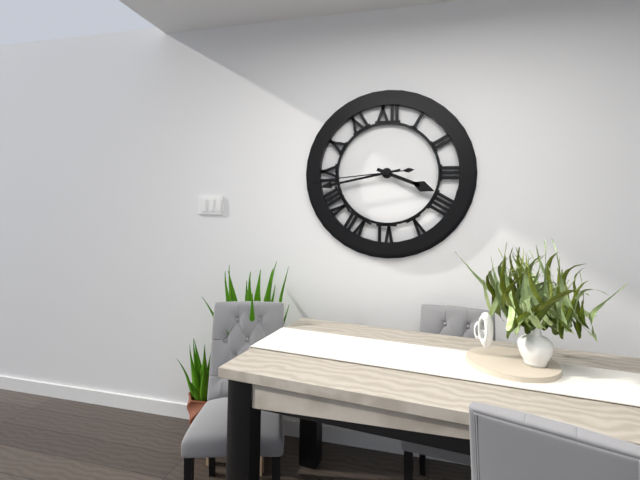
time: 3:43:44
